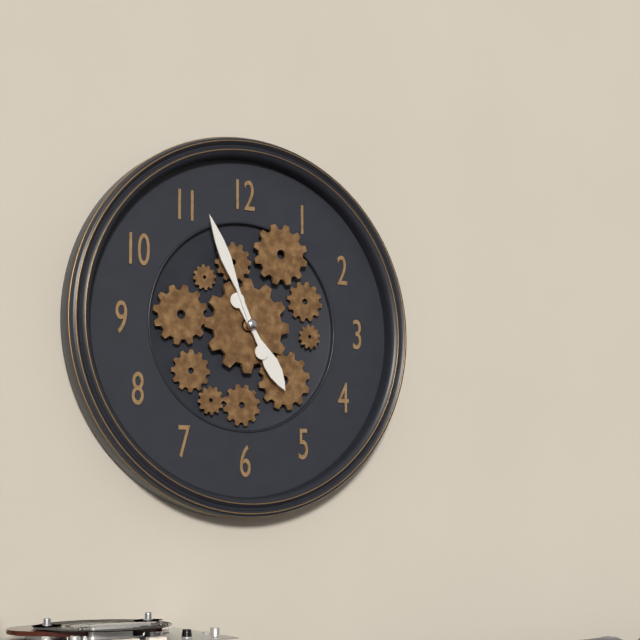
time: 4:56
